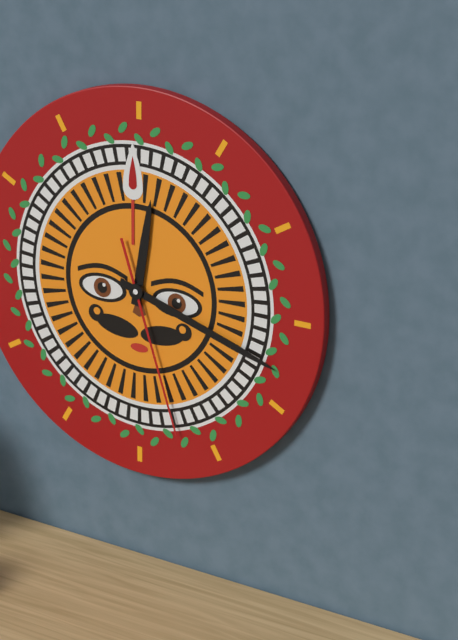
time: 12:18:27
